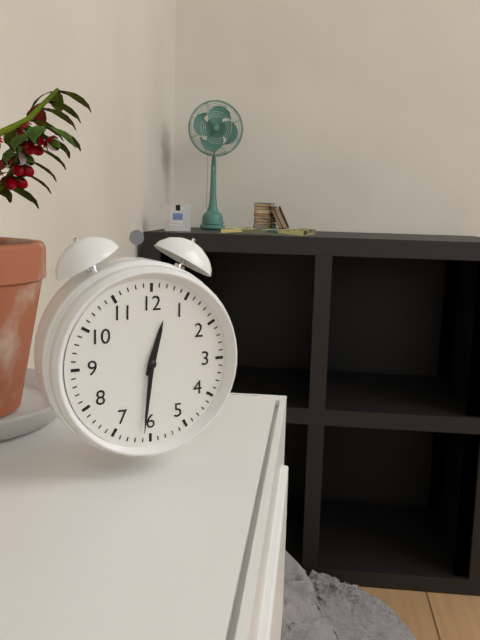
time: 12:31
